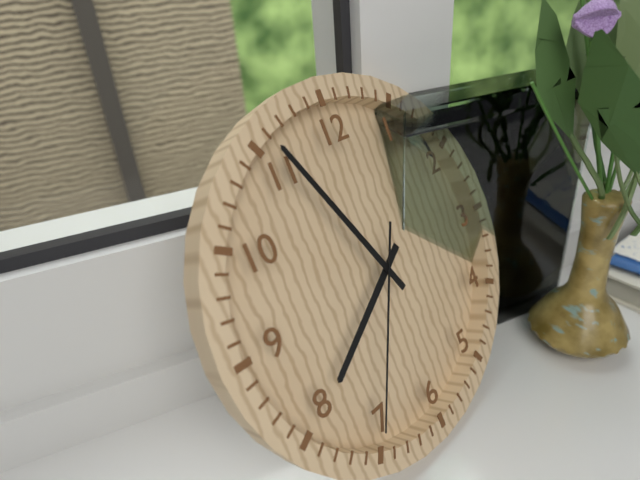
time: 7:56:35
